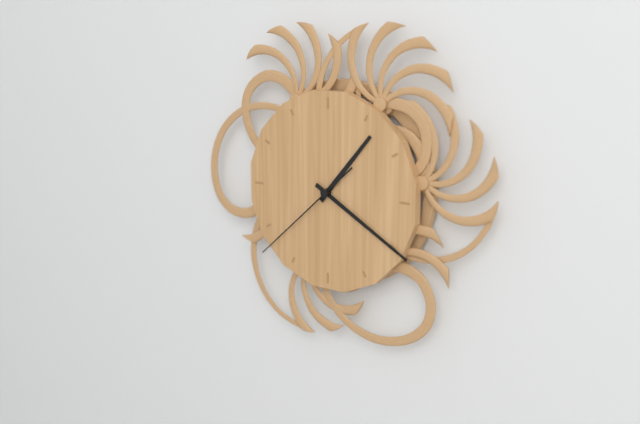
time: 1:20:38
